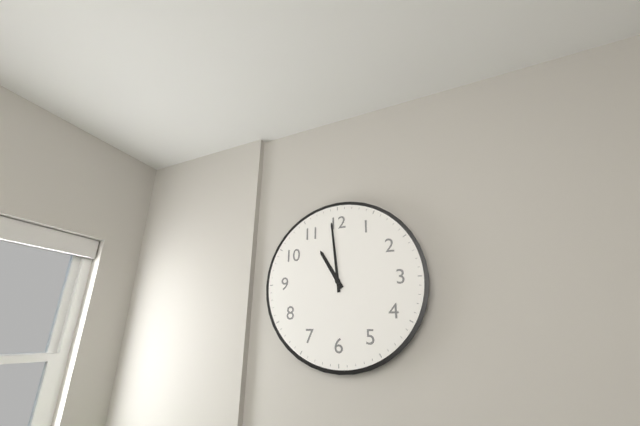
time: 10:59
